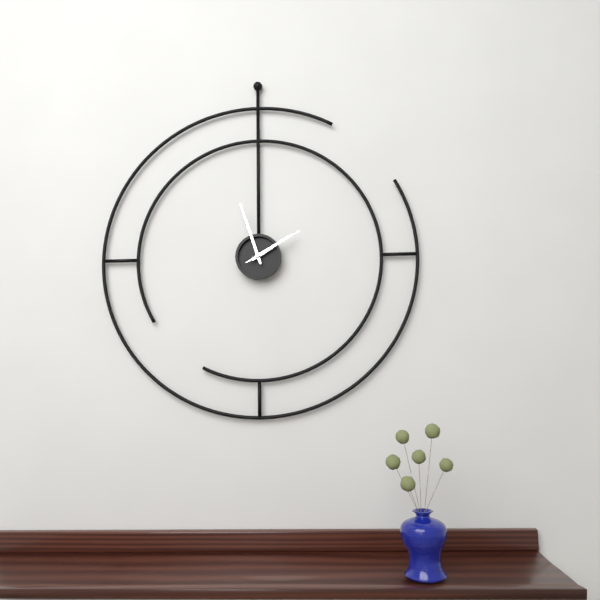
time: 1:57:10
